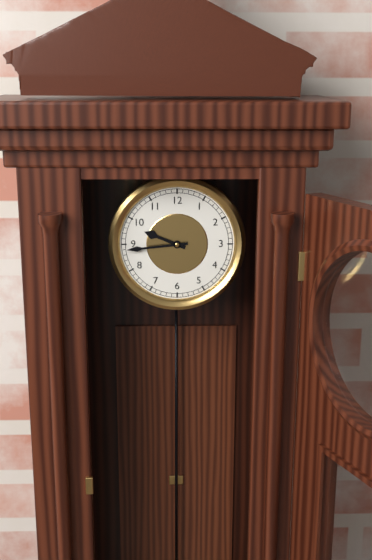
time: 9:44
